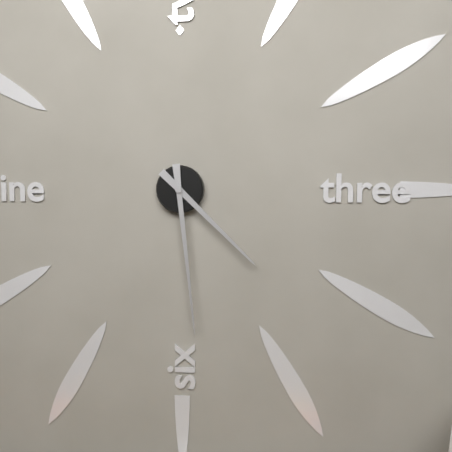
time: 4:29
